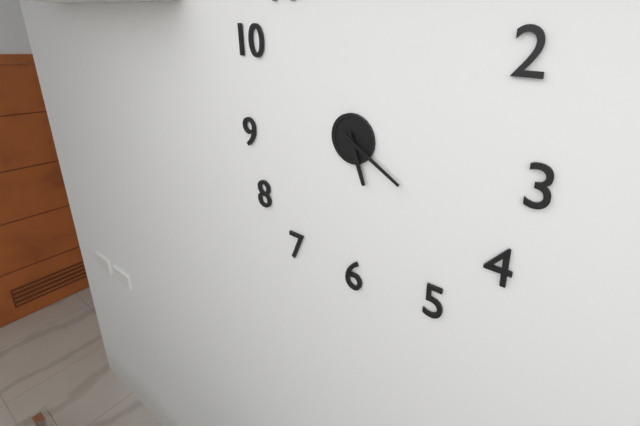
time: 5:20
